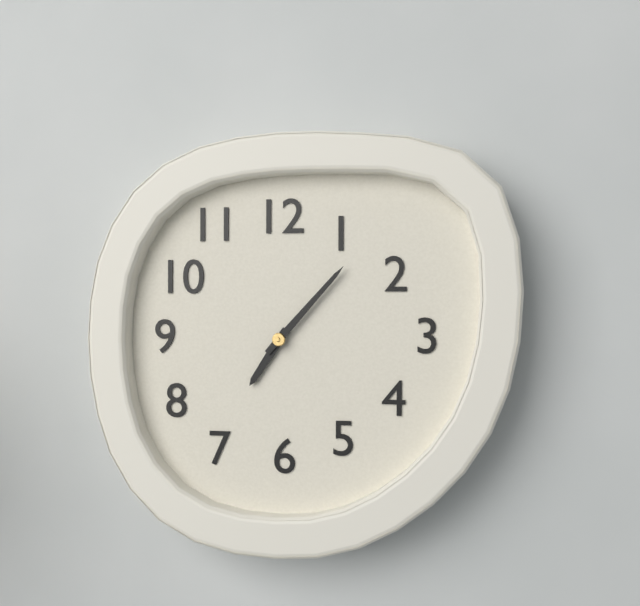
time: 7:07
